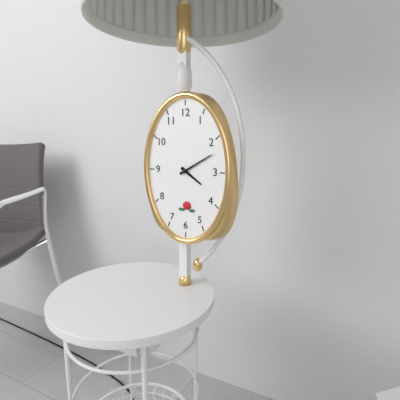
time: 4:10
